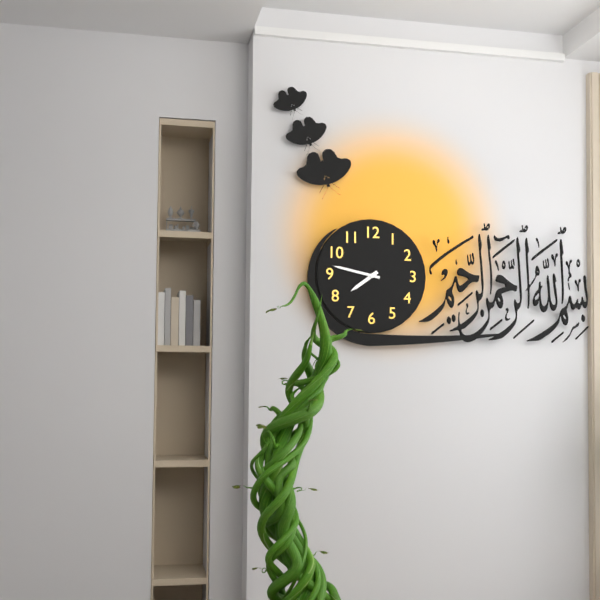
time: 7:47
